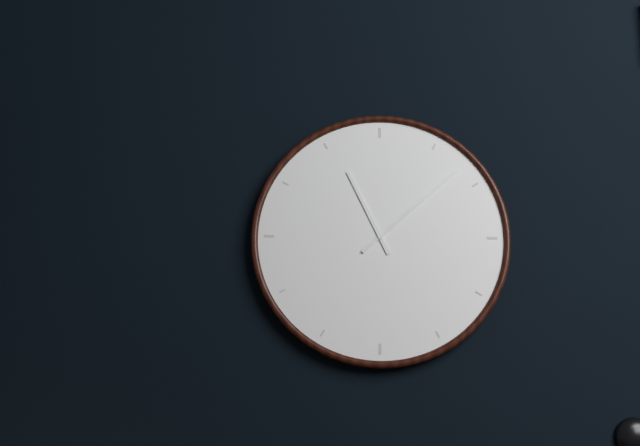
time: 11:08
